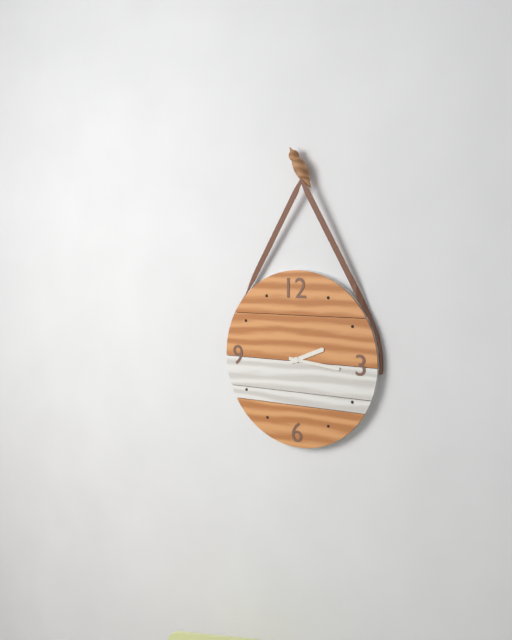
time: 2:16
